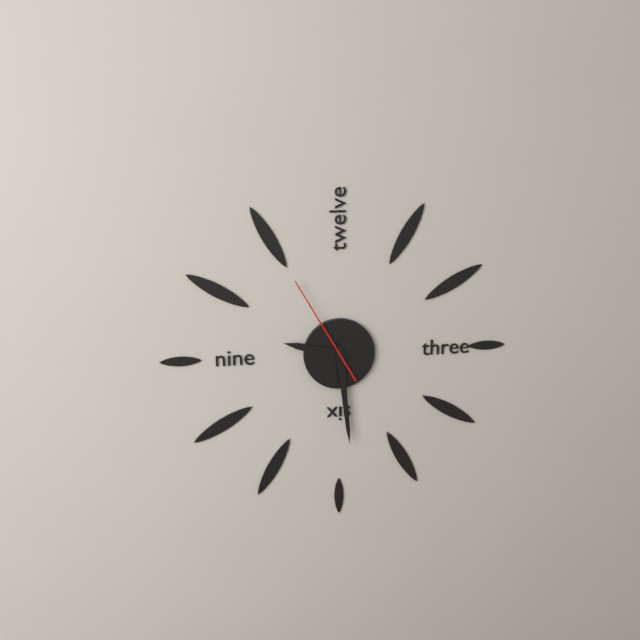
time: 9:29:55
